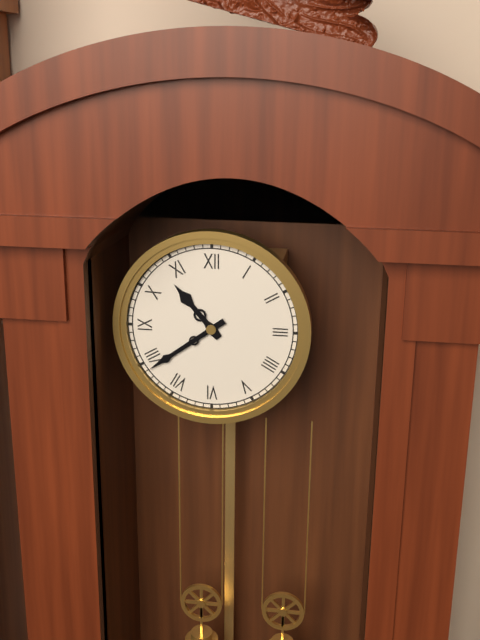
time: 10:39
